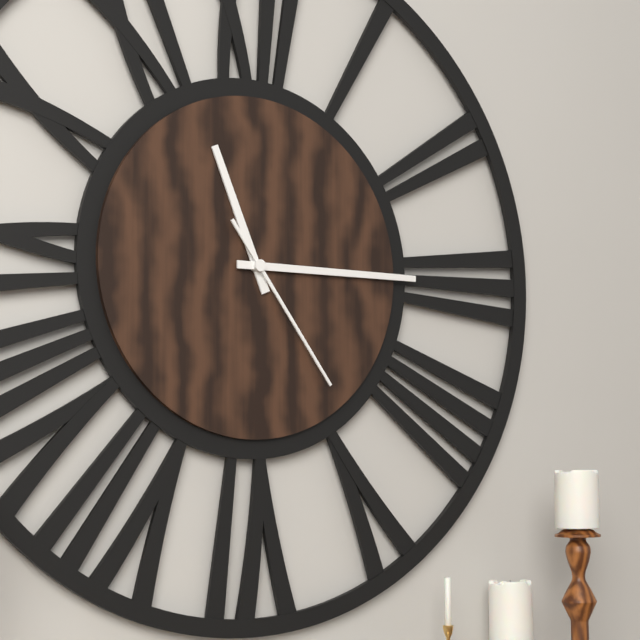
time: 11:15:24
